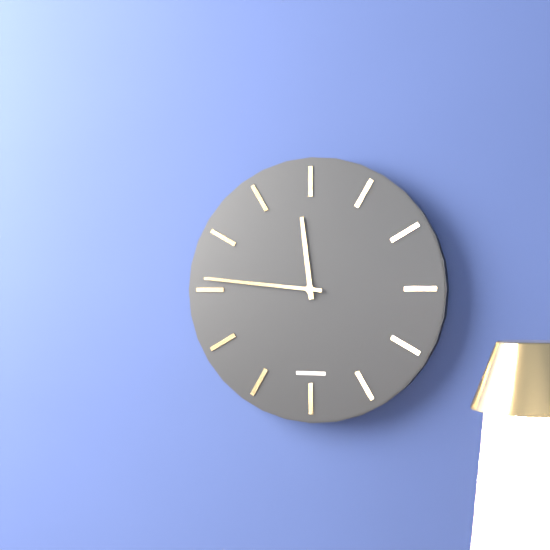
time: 11:46
